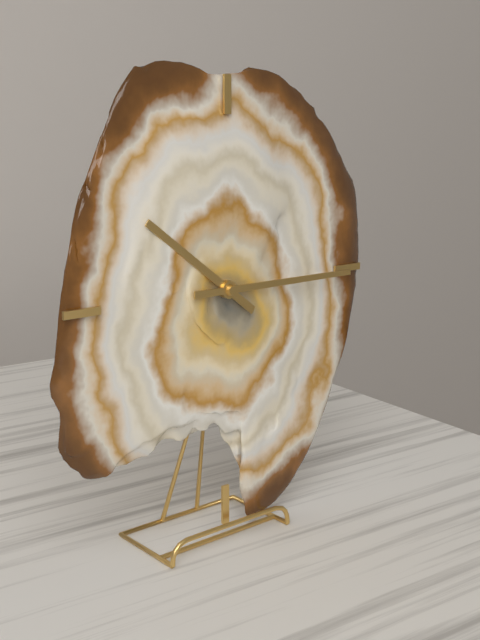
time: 10:15
